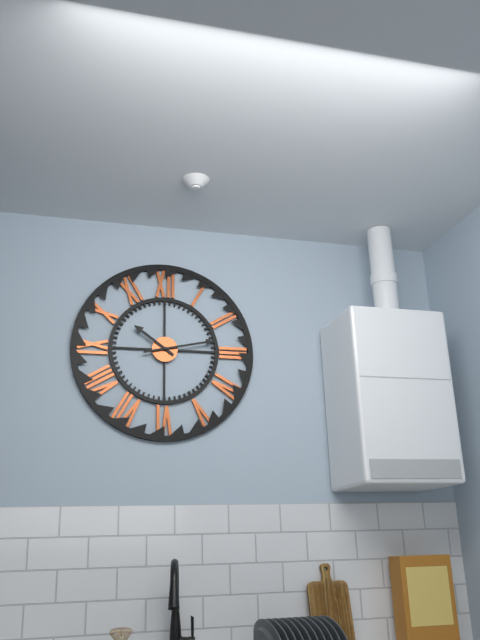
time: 10:13
